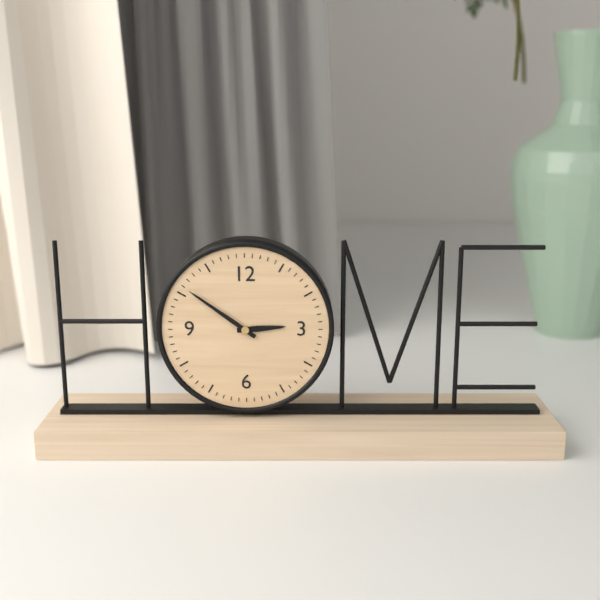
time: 2:51
